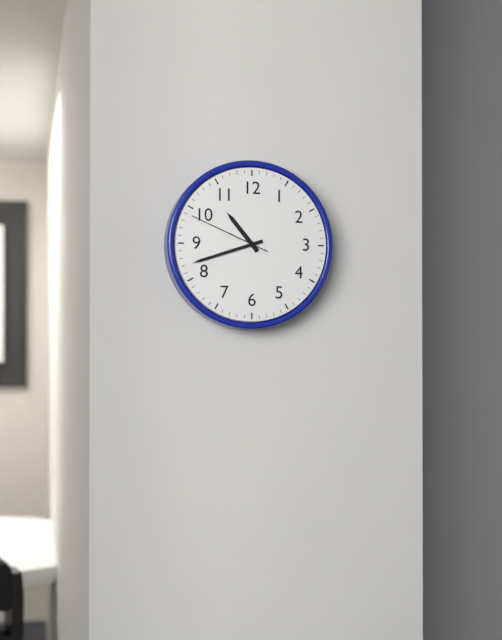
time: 10:42:49
